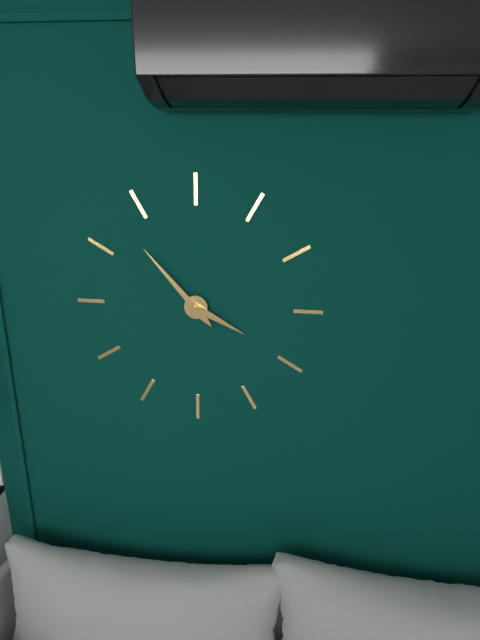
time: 3:53
